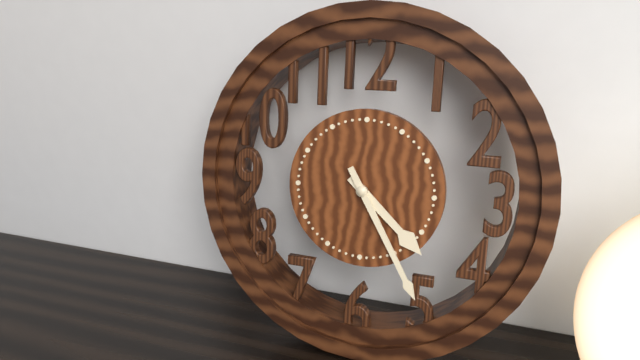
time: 4:25
